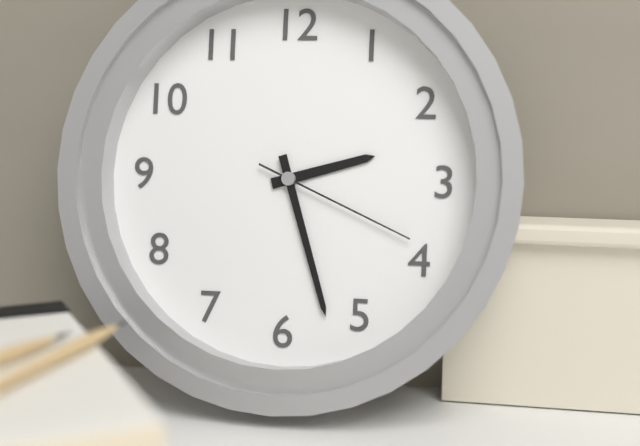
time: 2:27:19
